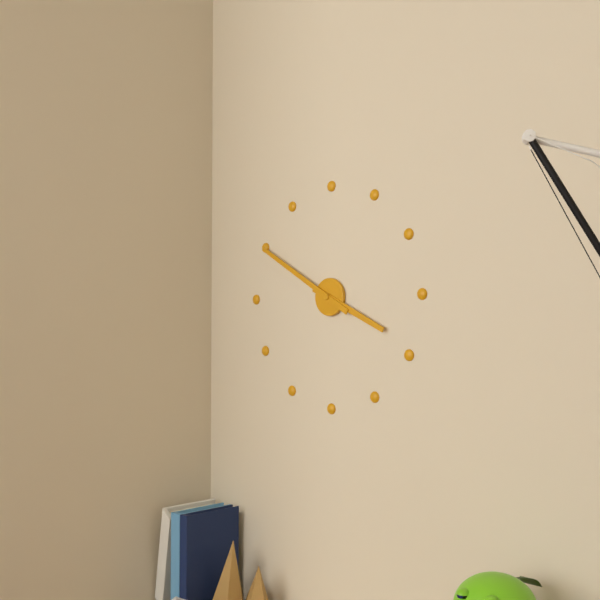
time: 3:50
